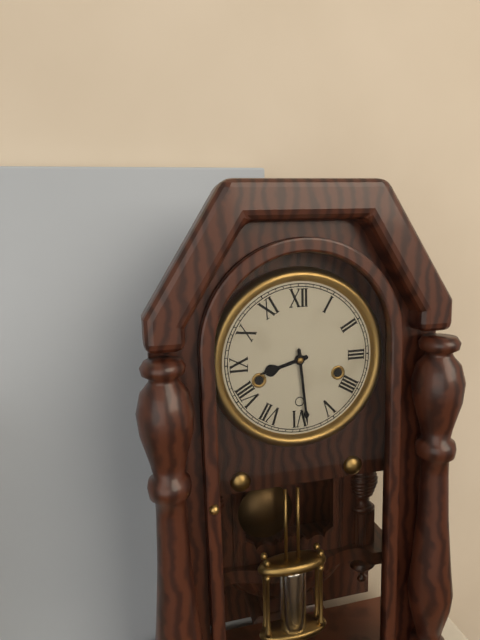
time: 8:29
